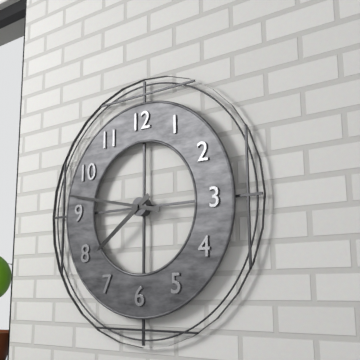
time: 7:47
